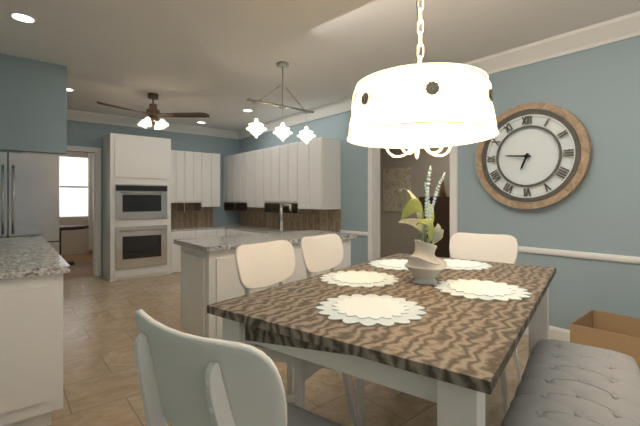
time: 6:46
